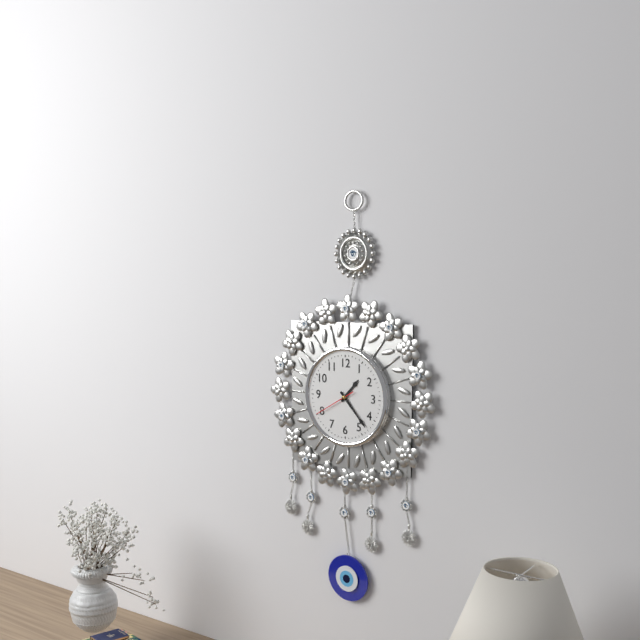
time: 1:23
